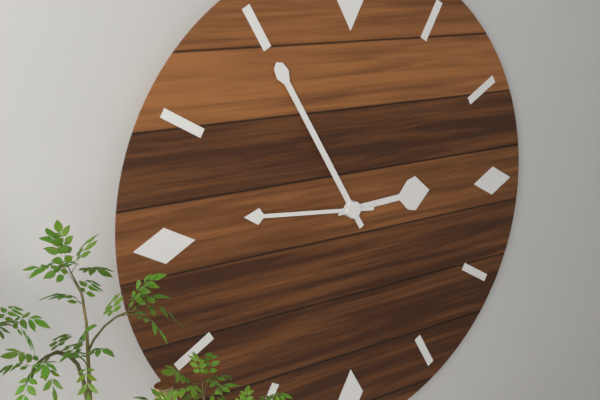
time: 2:55:46
